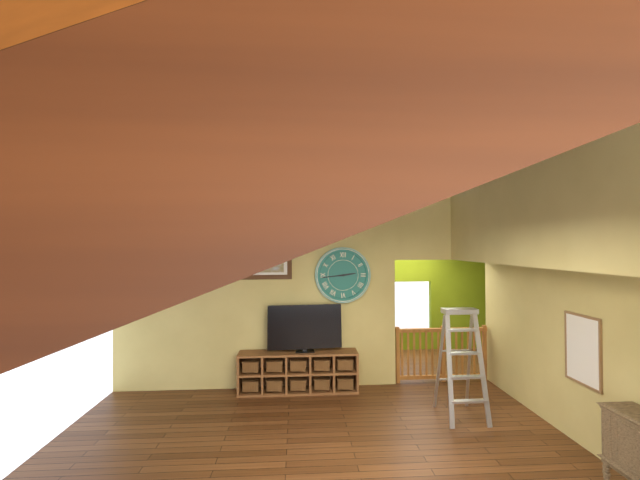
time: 2:44
